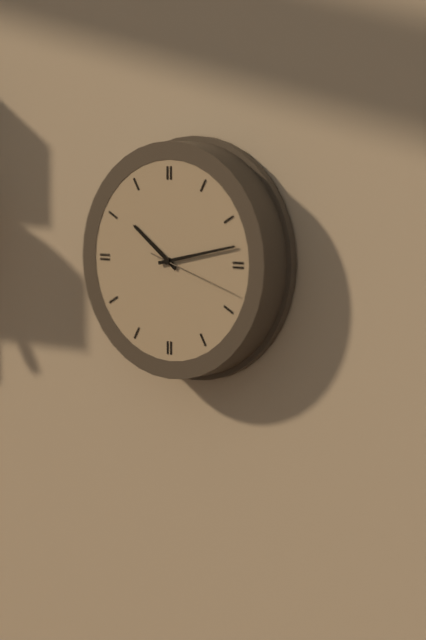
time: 10:13:18
